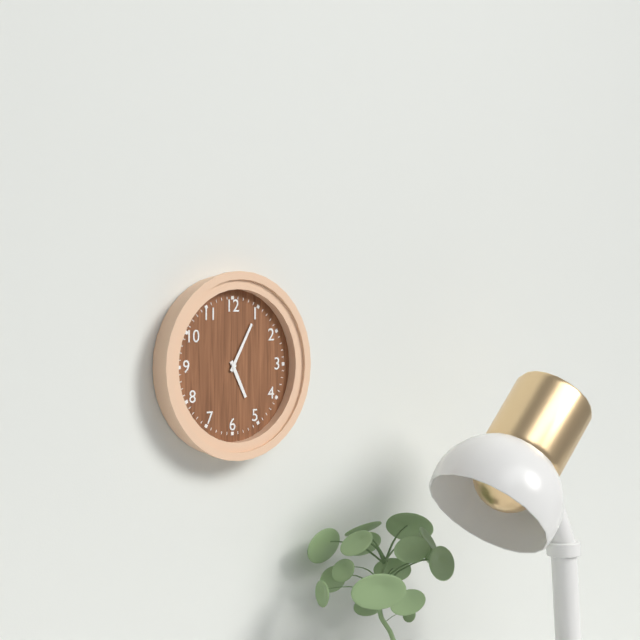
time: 5:05
